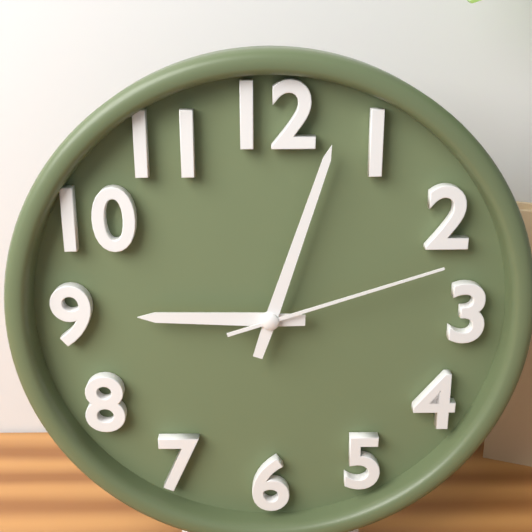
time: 9:03:12
